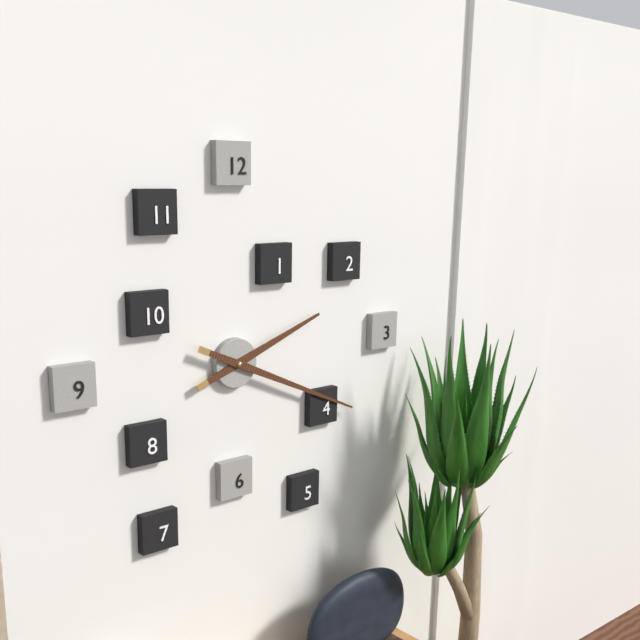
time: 2:19
